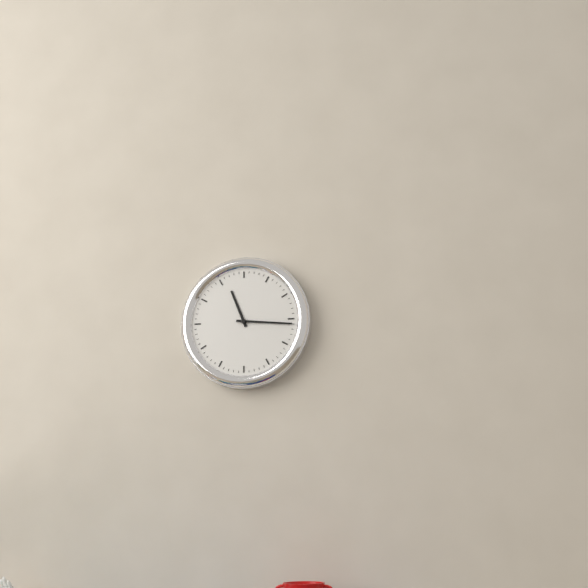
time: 11:16
